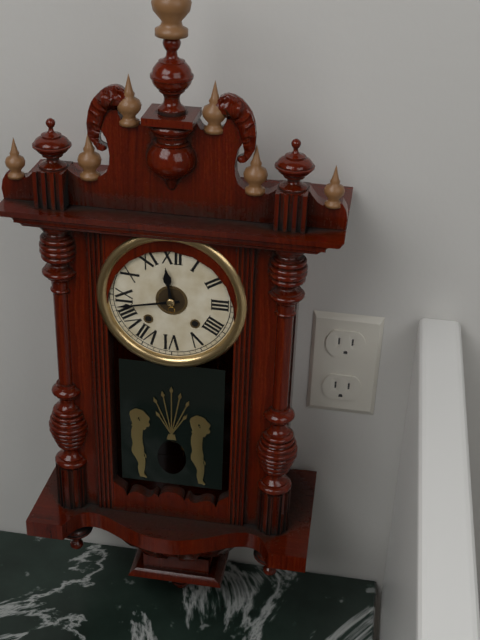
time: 11:43
